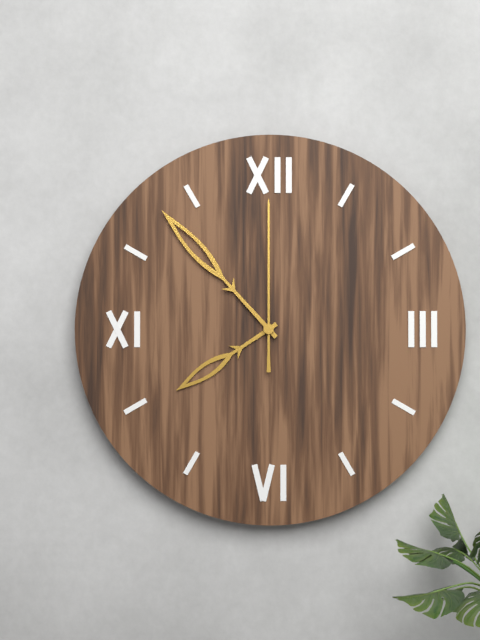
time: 7:53:00
